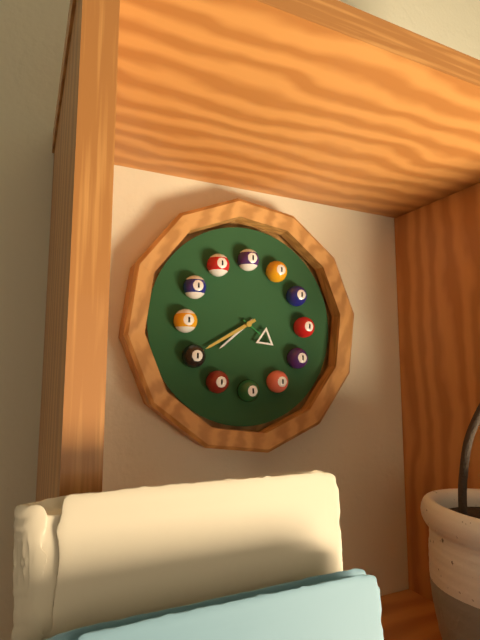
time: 7:40
